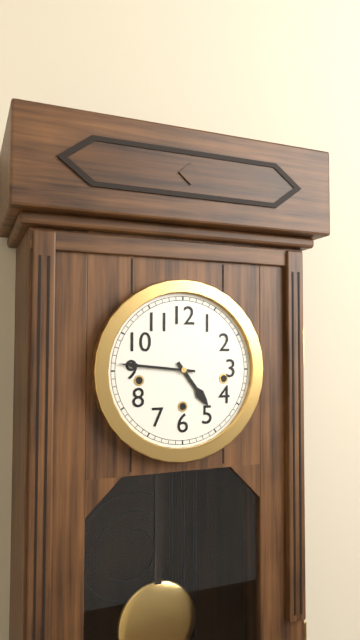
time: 4:46
